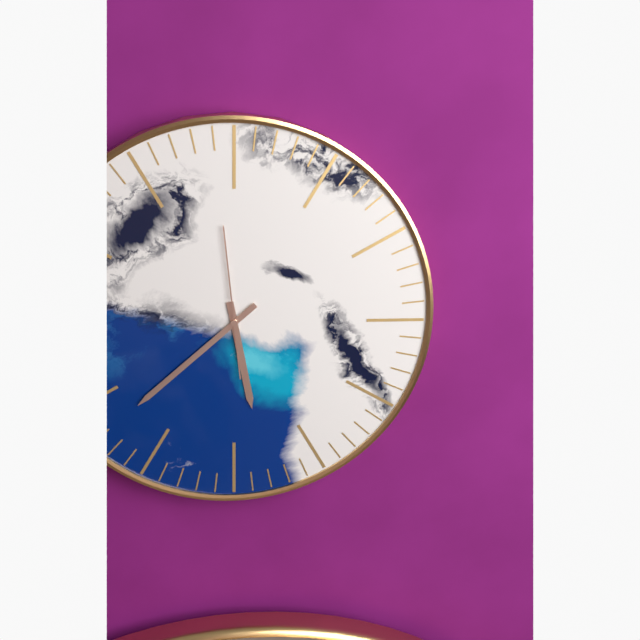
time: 5:38:59
